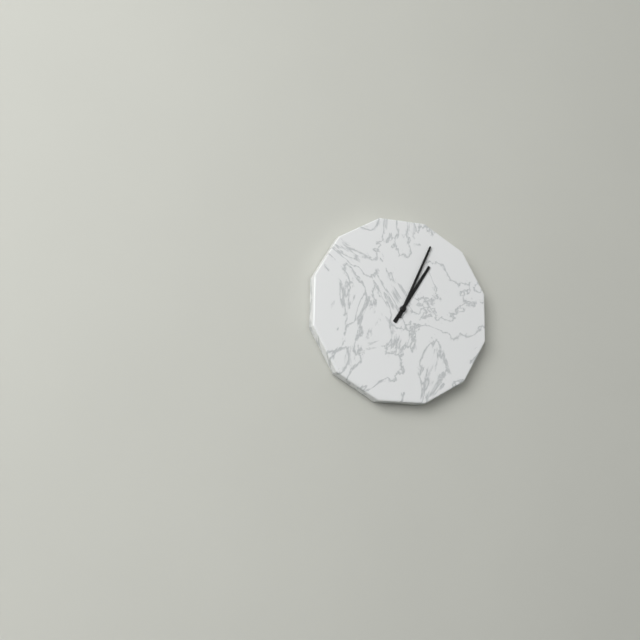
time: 1:04
